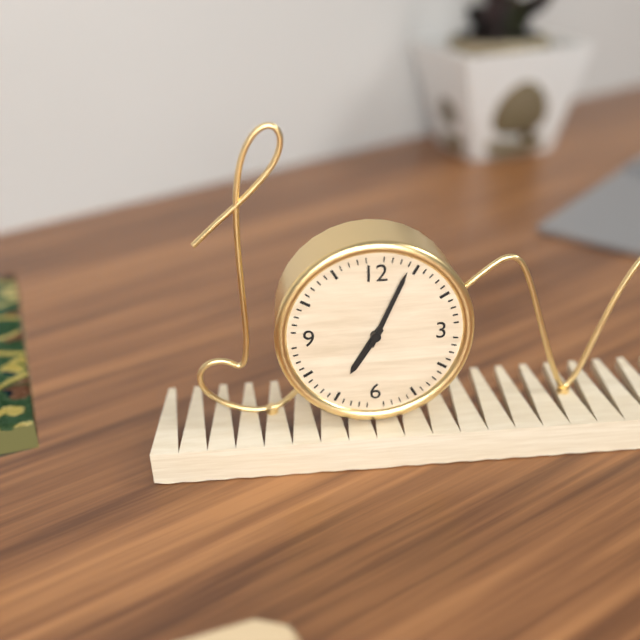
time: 7:04
